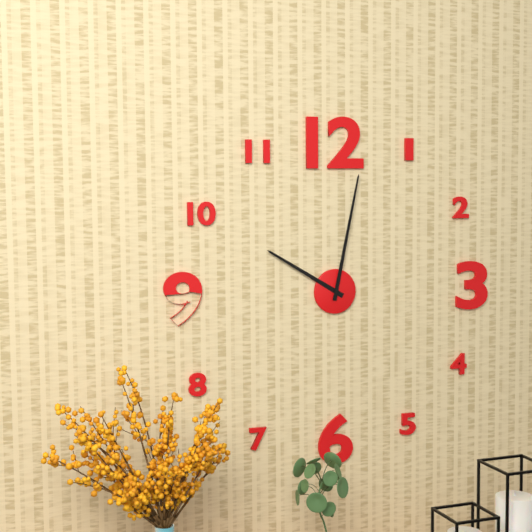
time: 10:02
